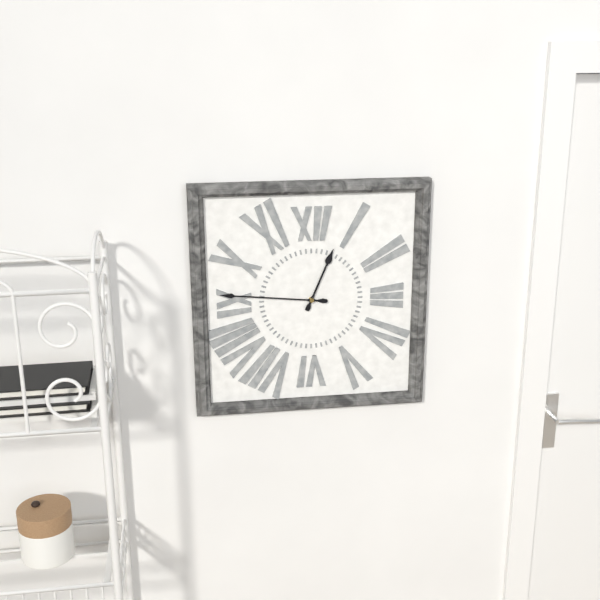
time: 12:46
